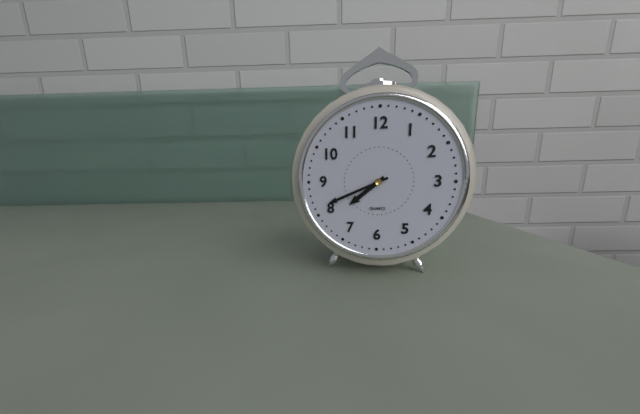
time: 7:41
